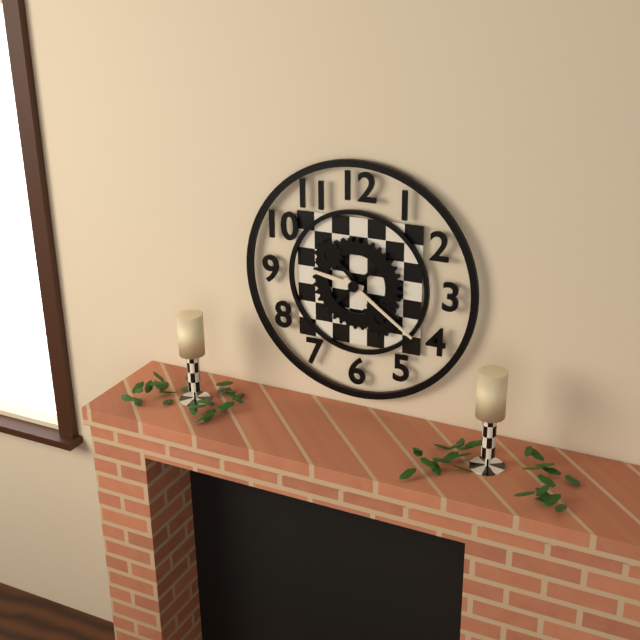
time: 9:21
